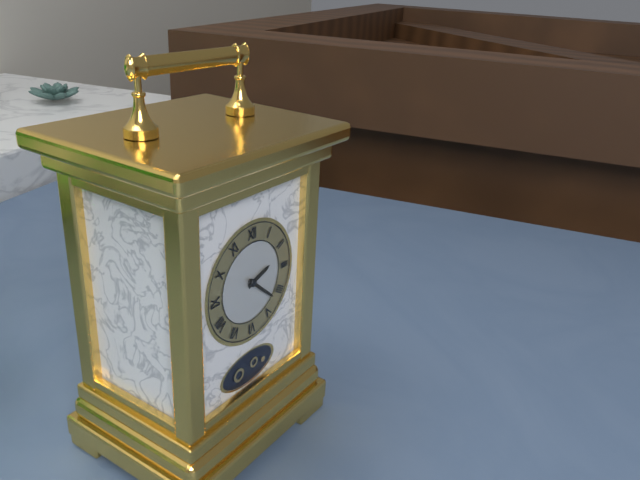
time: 2:22
